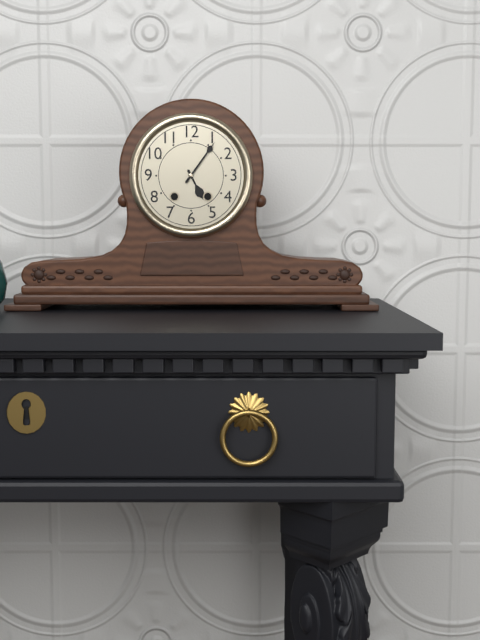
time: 5:06
